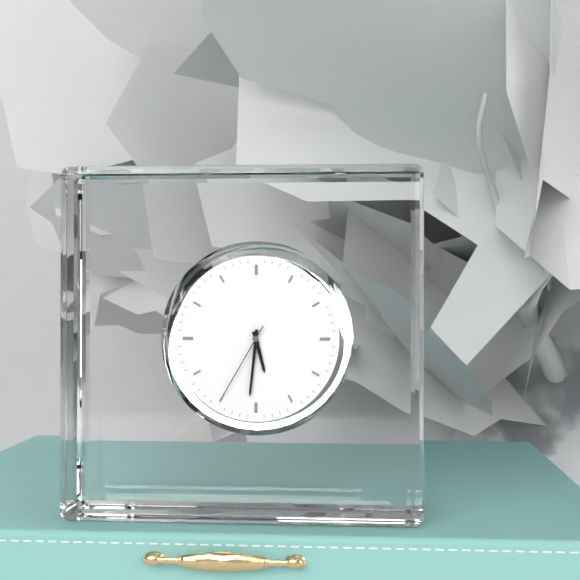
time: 5:31:35
